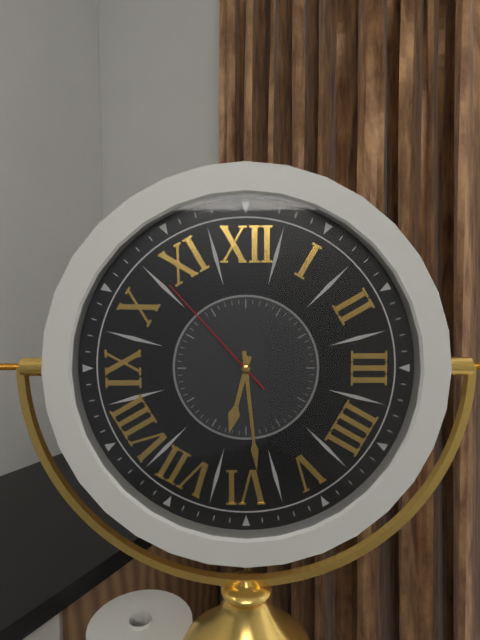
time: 6:29:53
